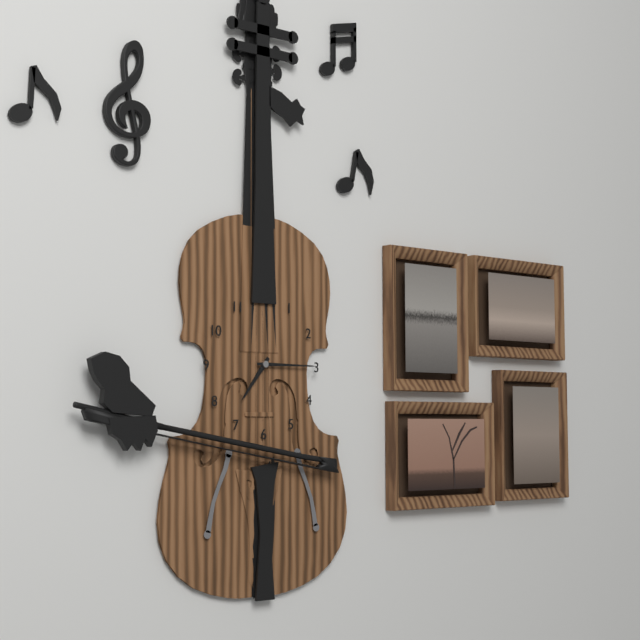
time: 7:15
